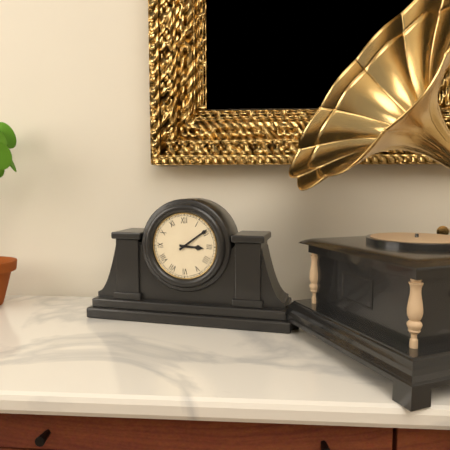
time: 3:09
